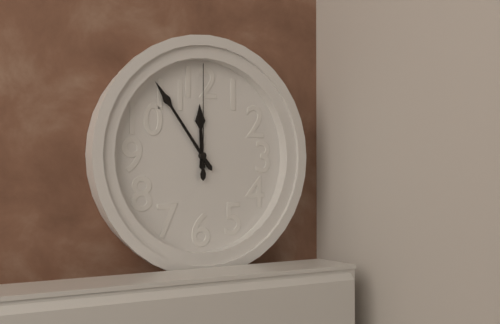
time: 11:54:00
